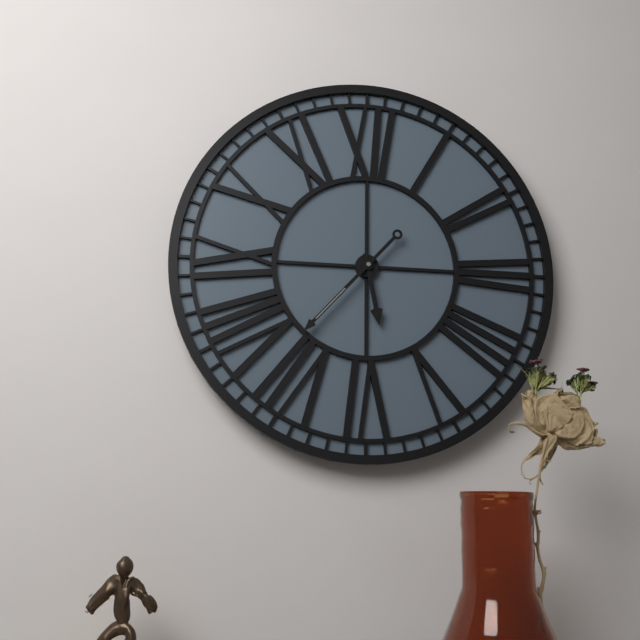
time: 5:37
